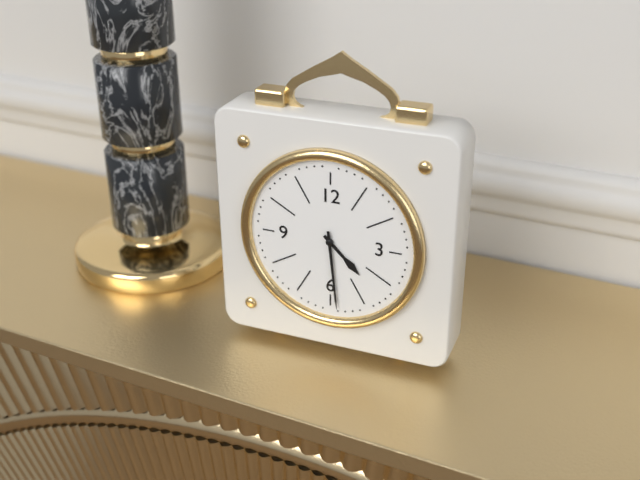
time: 4:29
